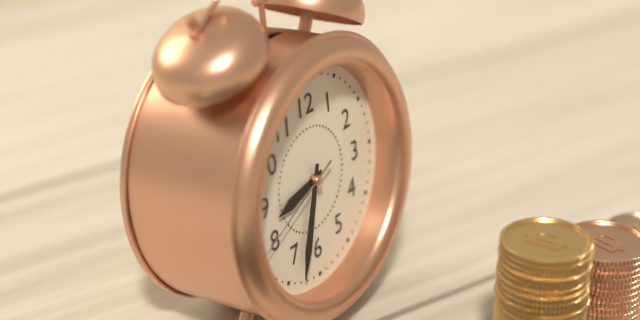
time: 8:33:41
